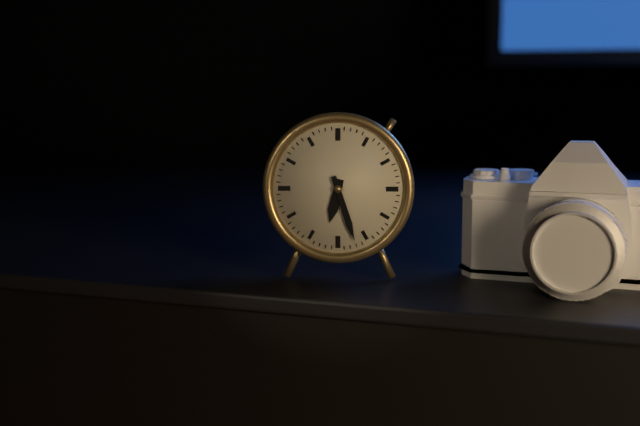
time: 6:27
